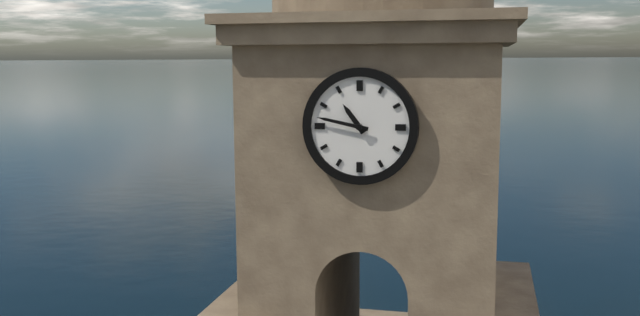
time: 10:47
